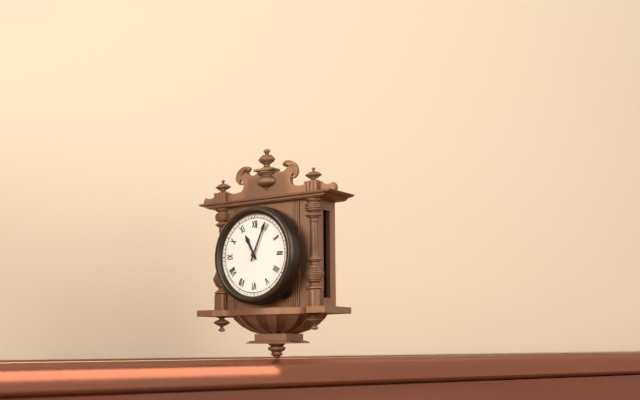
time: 11:04
